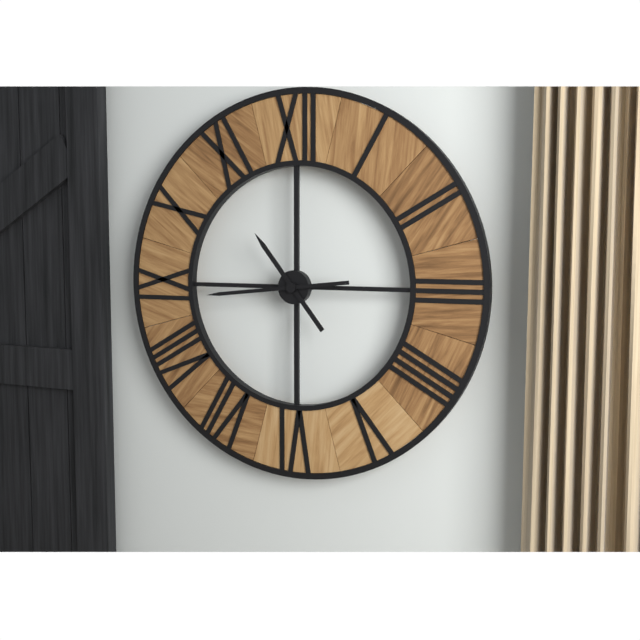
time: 10:44
